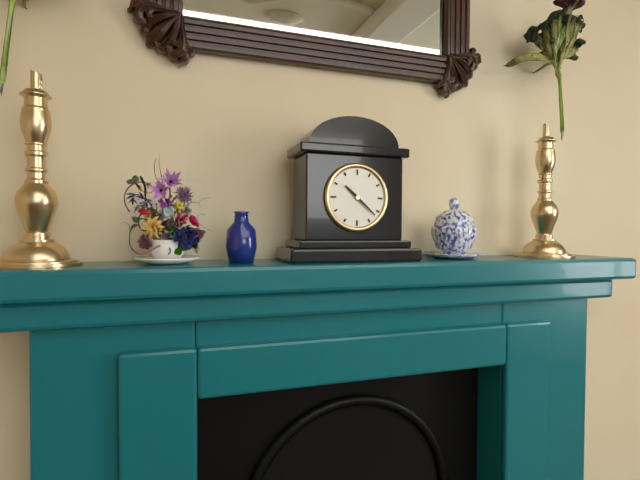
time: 10:22
